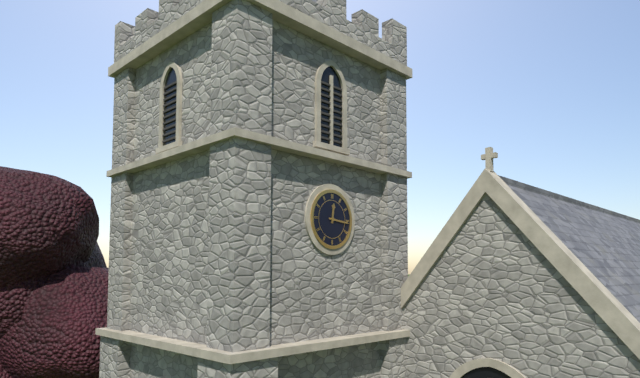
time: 12:16
